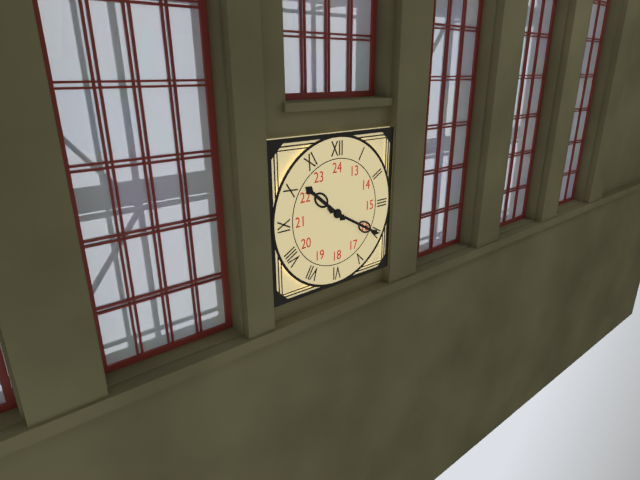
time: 10:20
